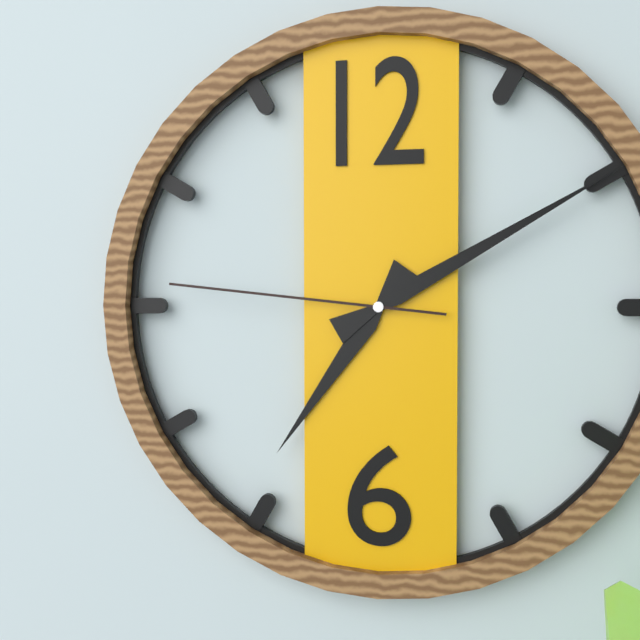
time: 7:10:46
